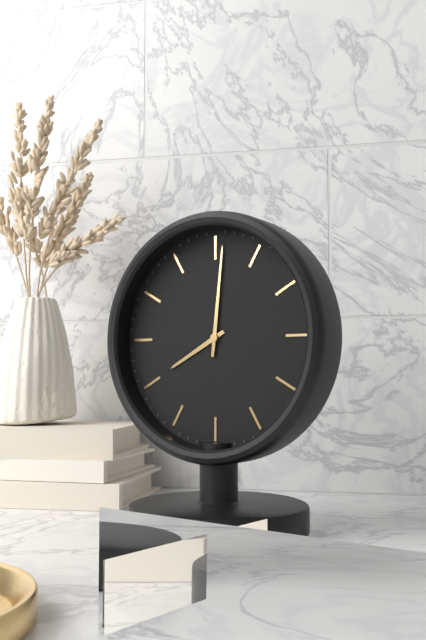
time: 8:01
